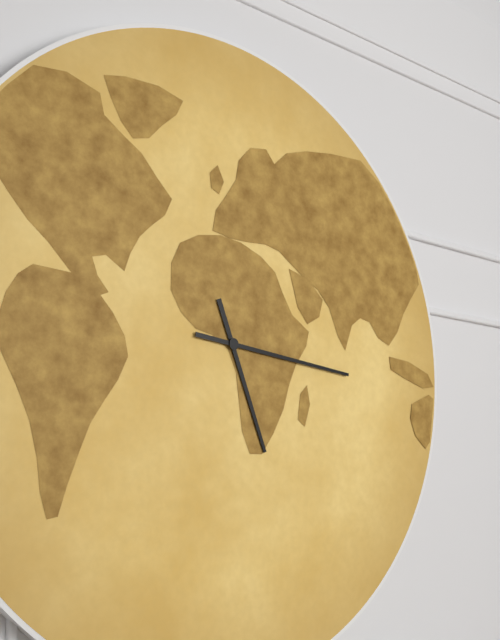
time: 5:16
